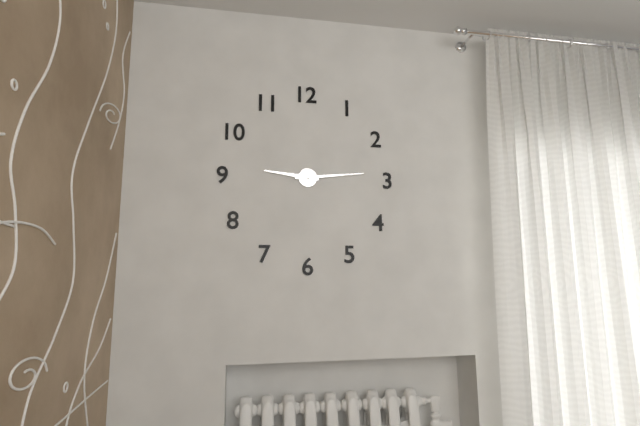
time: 9:14
